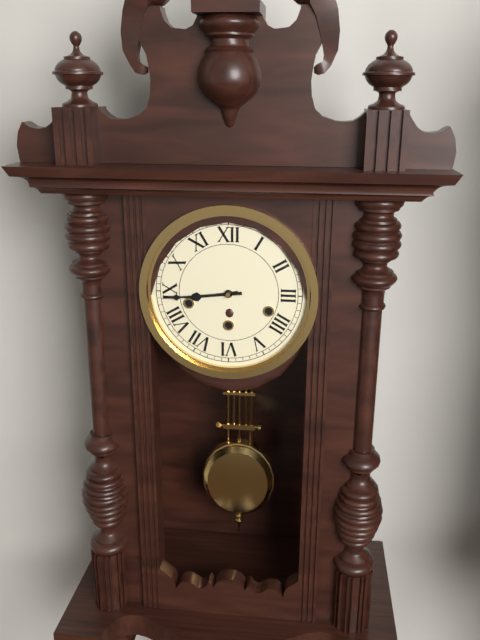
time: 8:44
